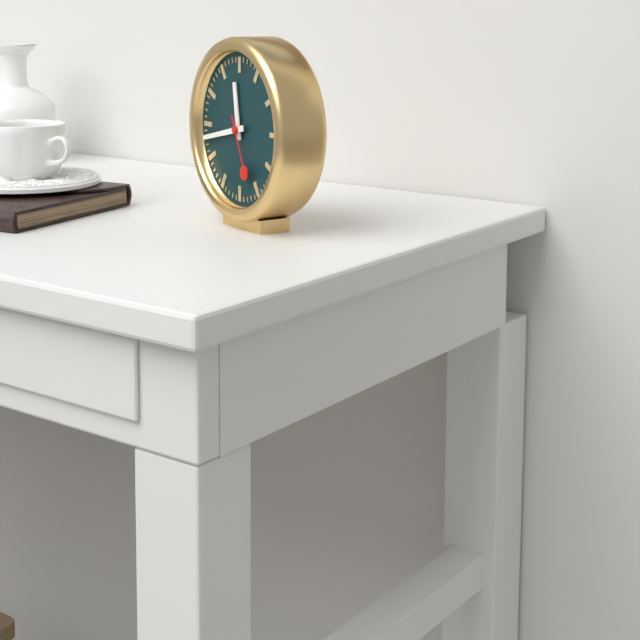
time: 11:43:26
